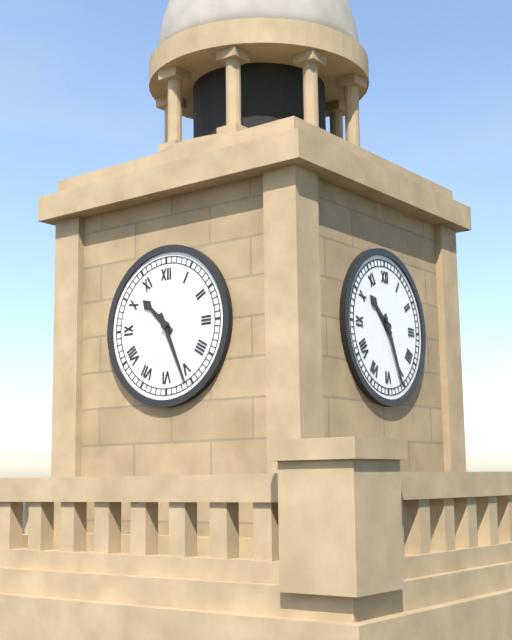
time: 10:26
